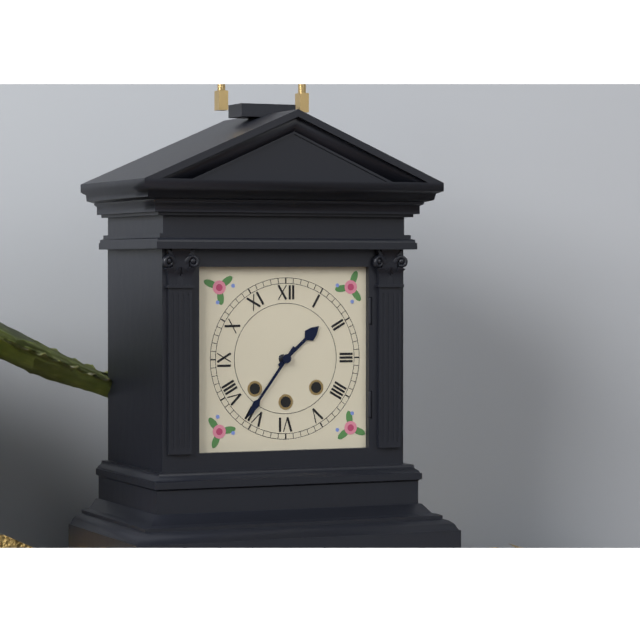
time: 1:36
